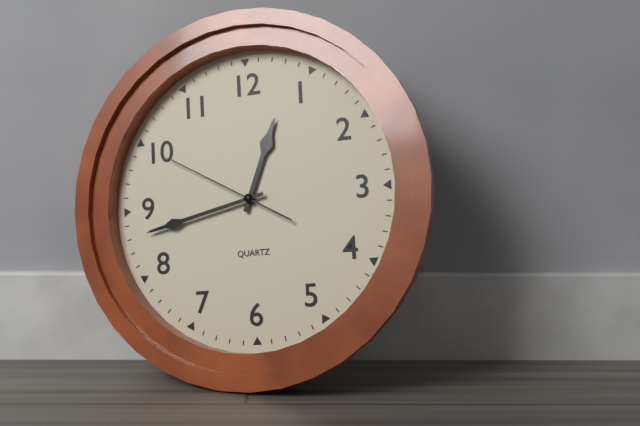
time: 12:43:50
